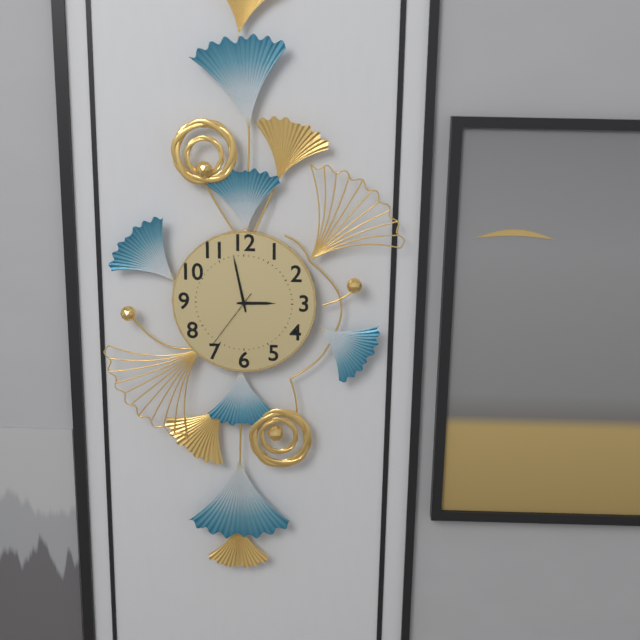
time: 2:58:36
